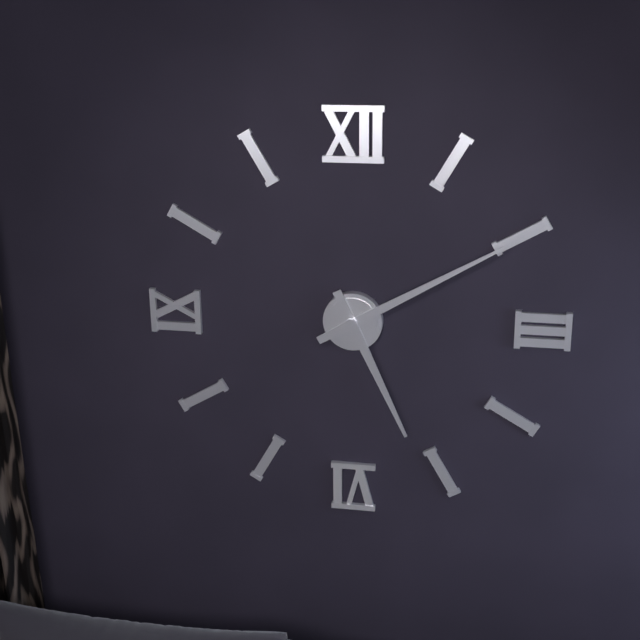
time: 5:10
